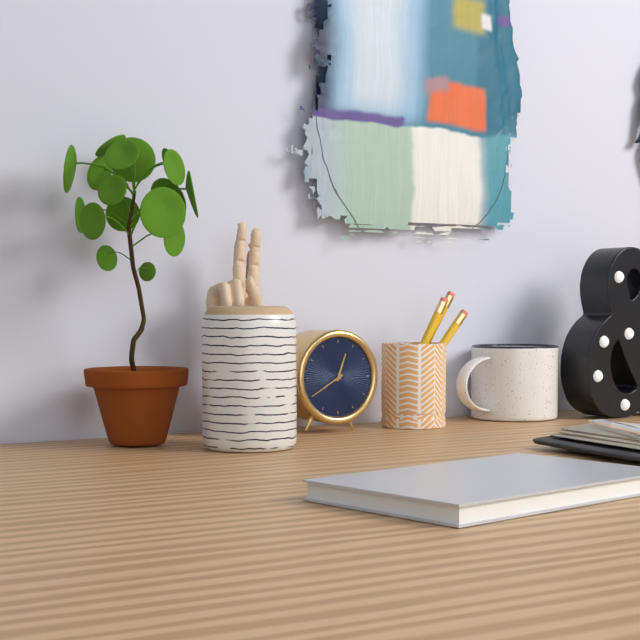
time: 12:40
